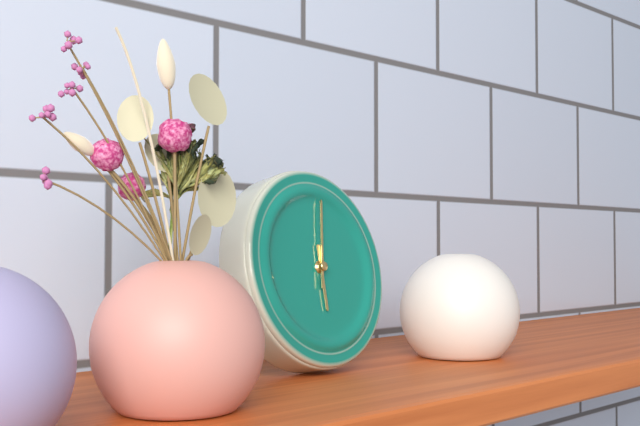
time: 6:02
